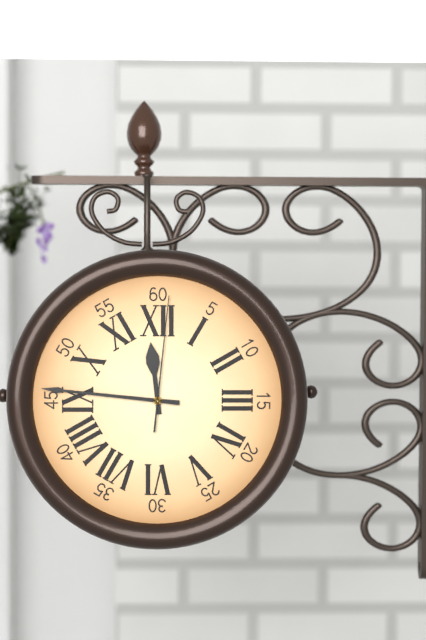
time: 11:46:01
